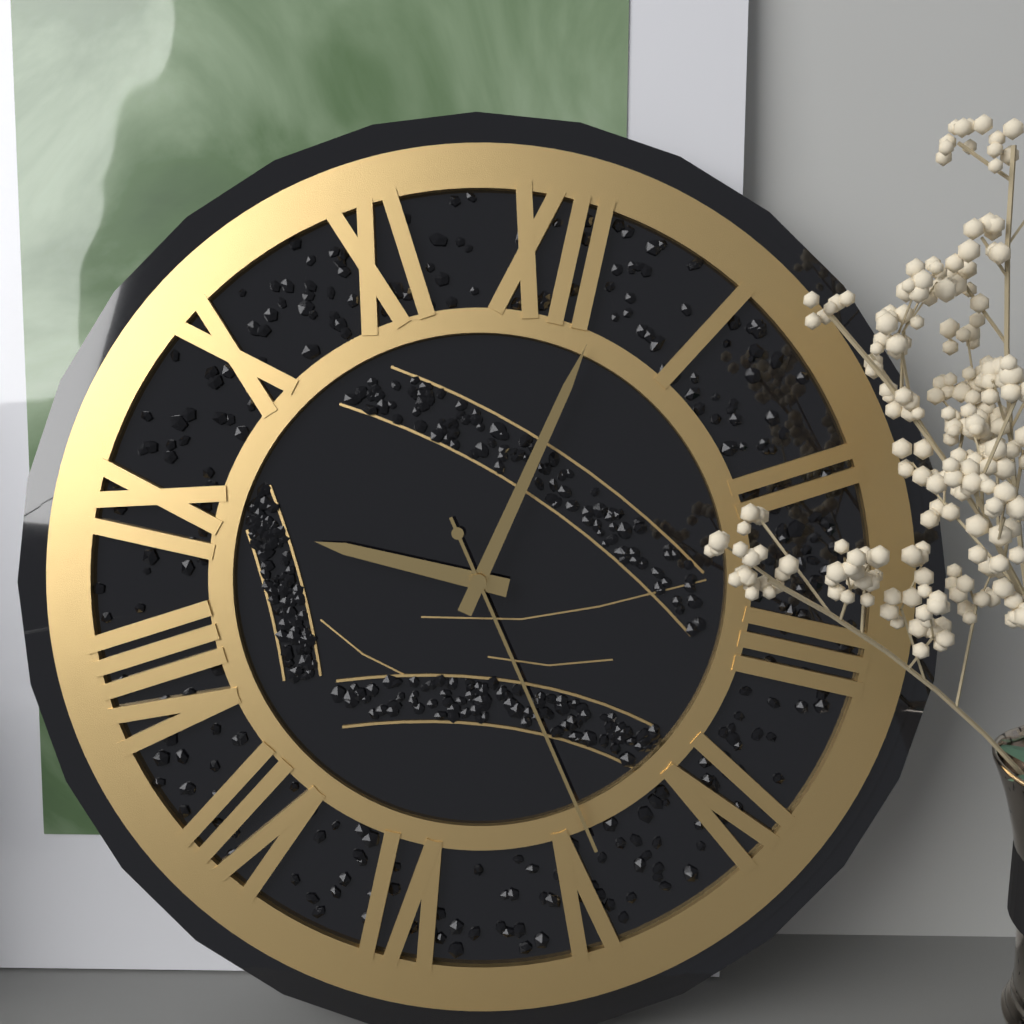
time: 9:02:24
